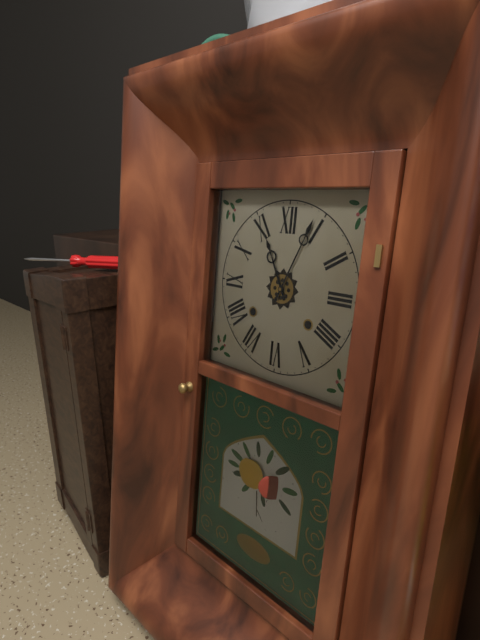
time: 11:04
